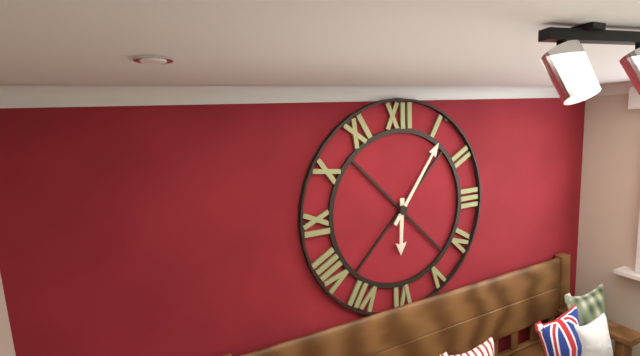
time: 6:06
